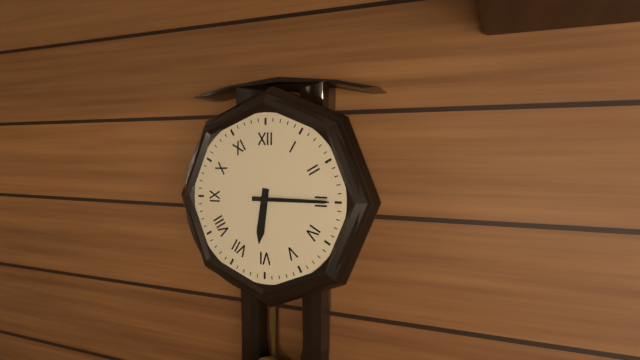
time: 6:15
